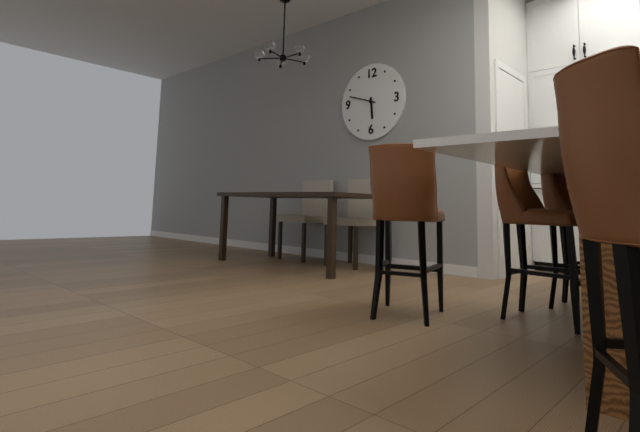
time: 5:48
